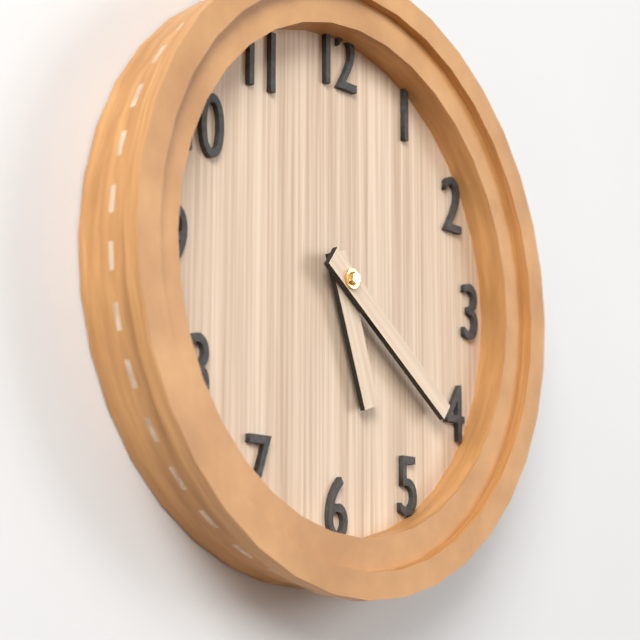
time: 5:21
